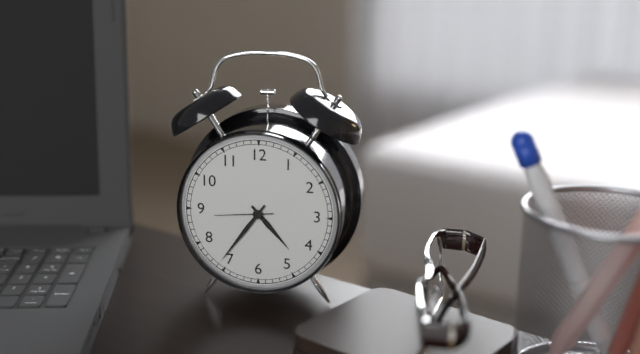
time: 4:36:44
